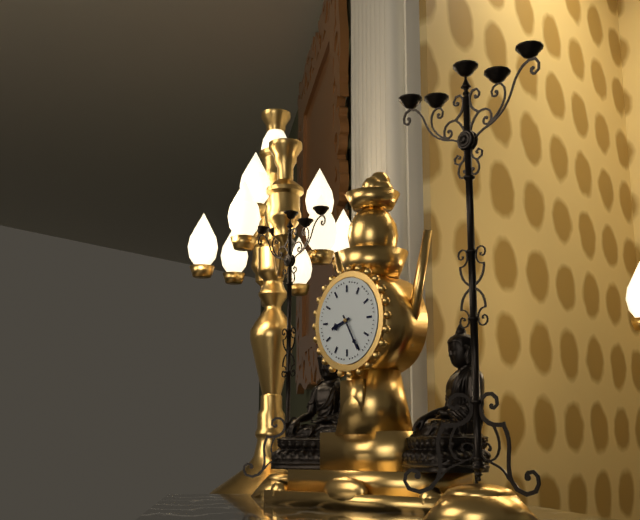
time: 8:25
